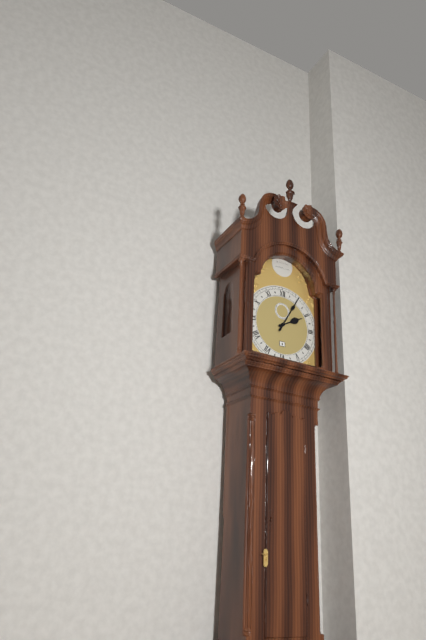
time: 2:05
